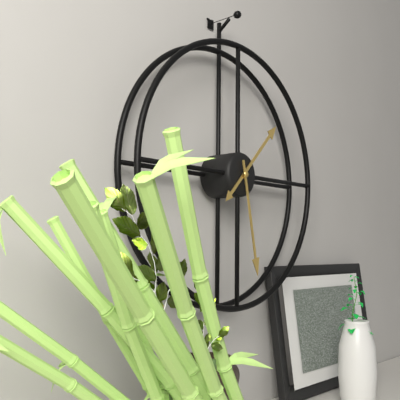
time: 1:28
